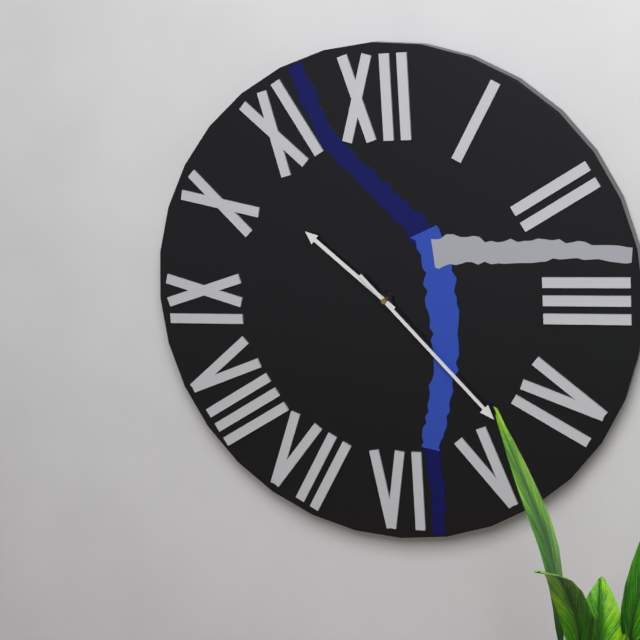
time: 10:23
